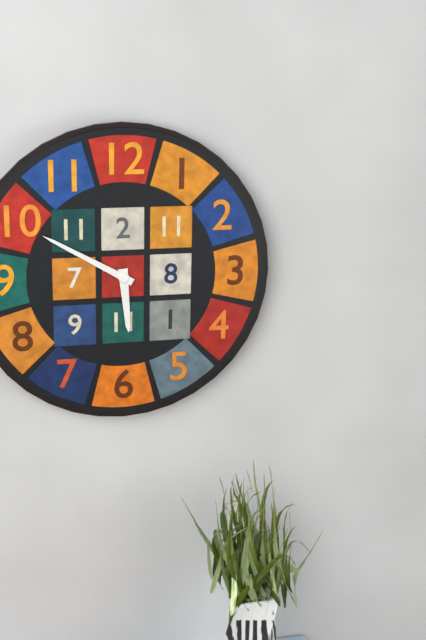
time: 5:50
